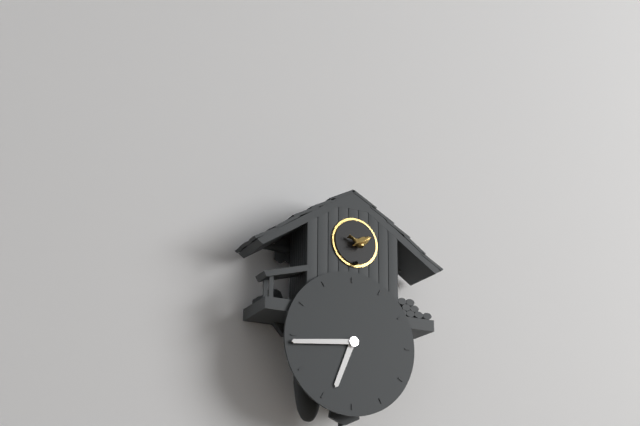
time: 6:44
